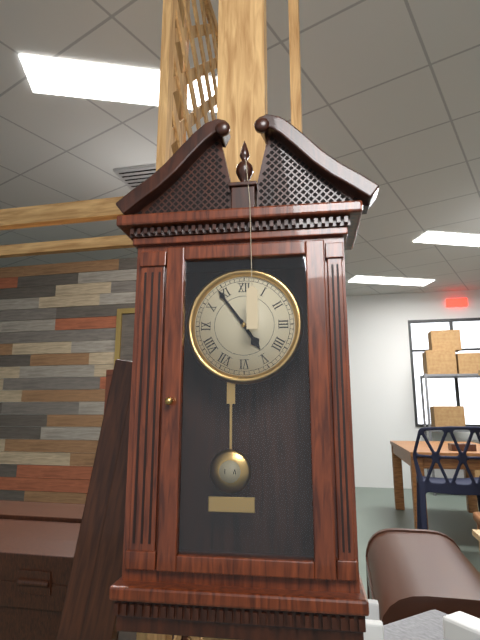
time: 4:54
